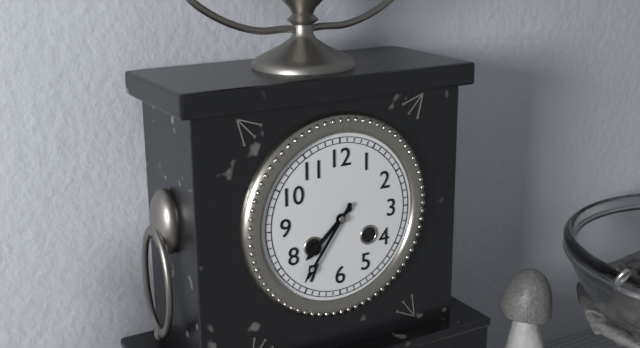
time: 7:36
